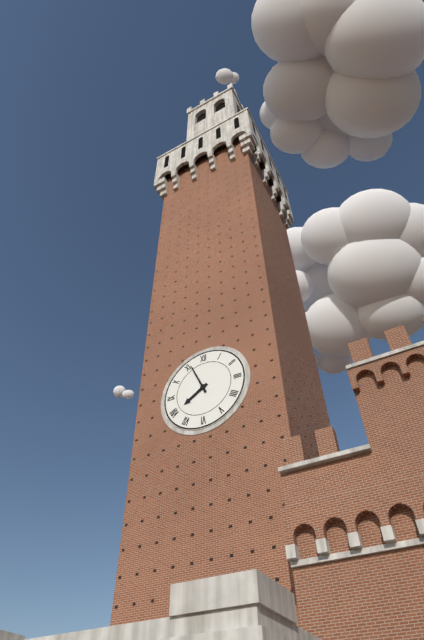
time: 7:56
